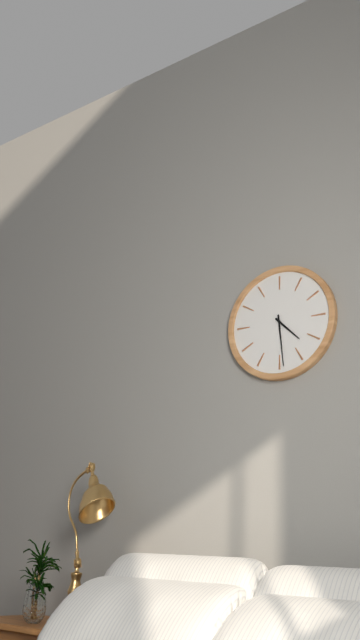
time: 4:29
